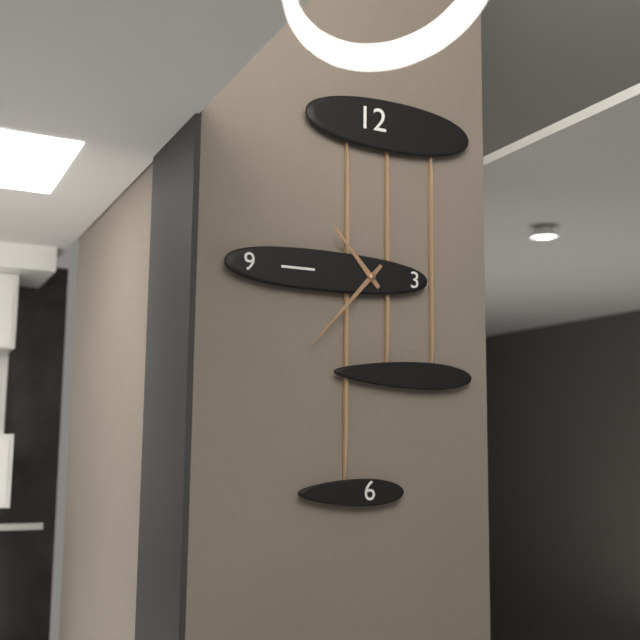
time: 10:37
